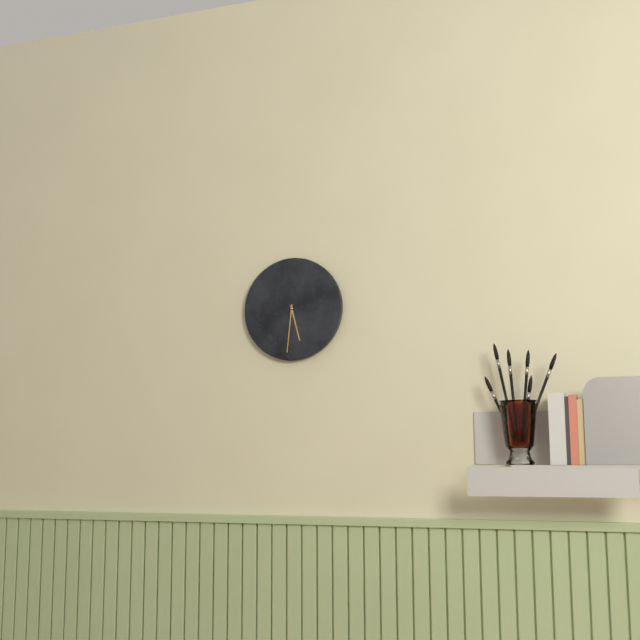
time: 5:31
